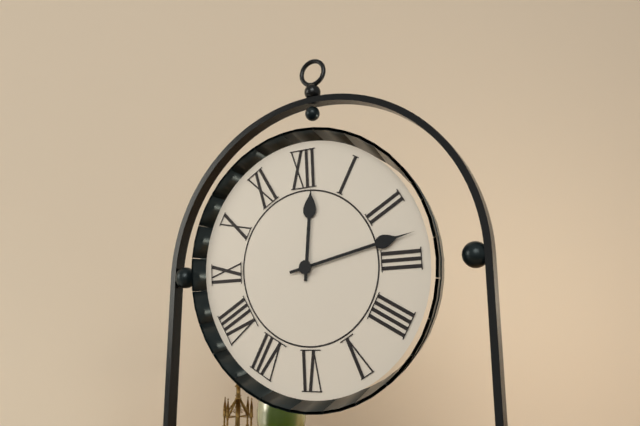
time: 12:13
